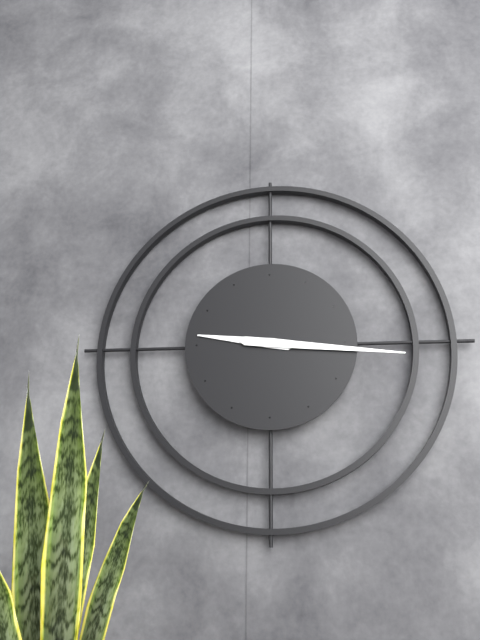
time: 9:16
